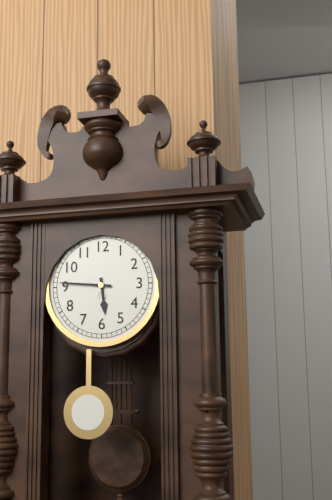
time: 5:46
